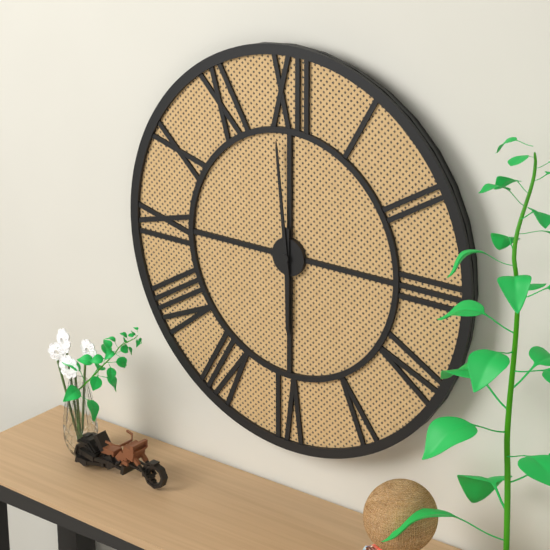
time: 5:59
